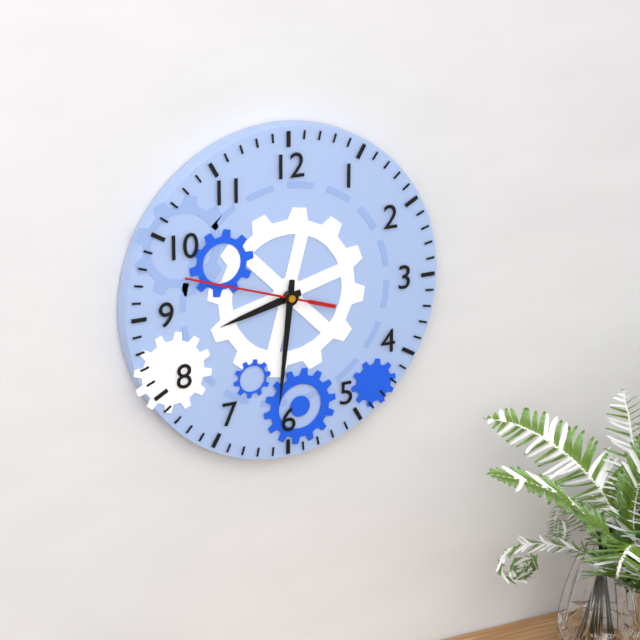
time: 8:31:48
